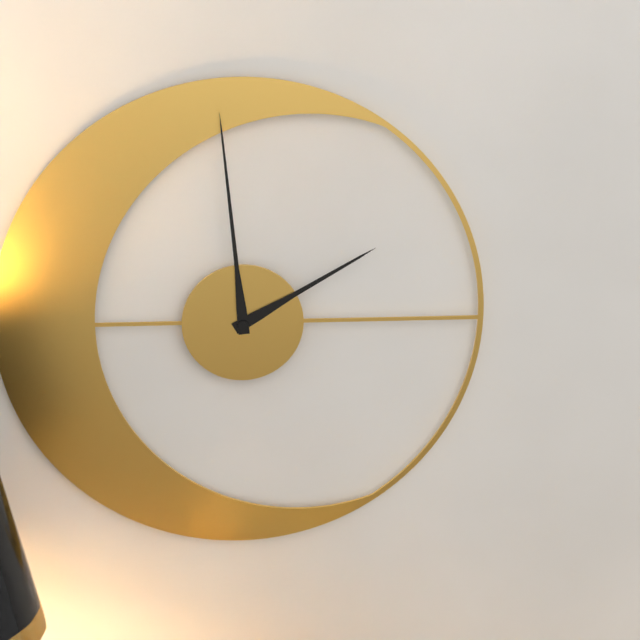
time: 1:59
